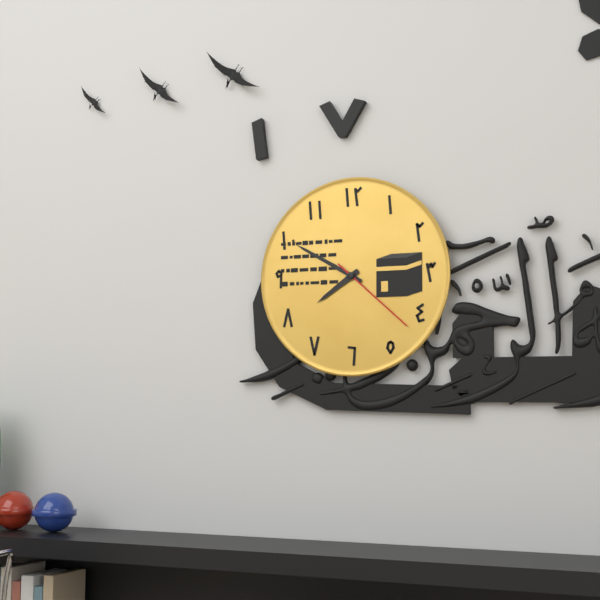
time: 7:50:22
